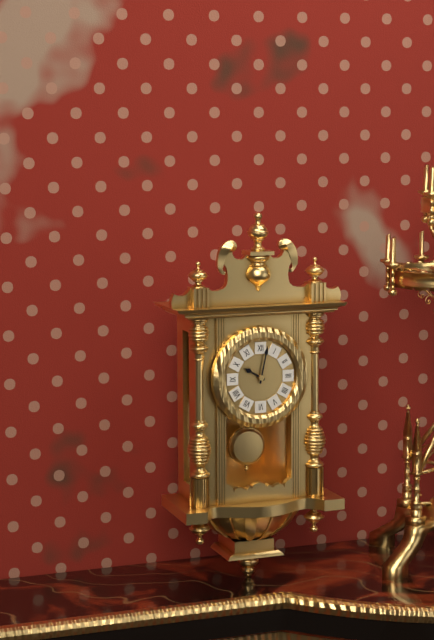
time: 10:02
